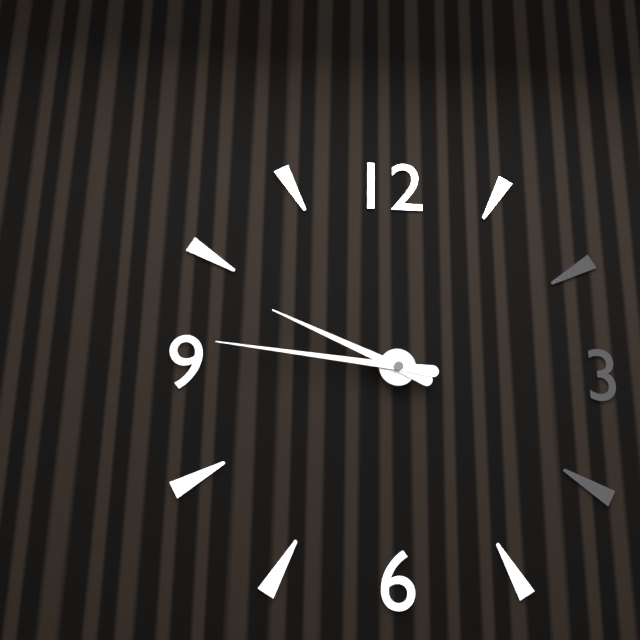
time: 9:46
